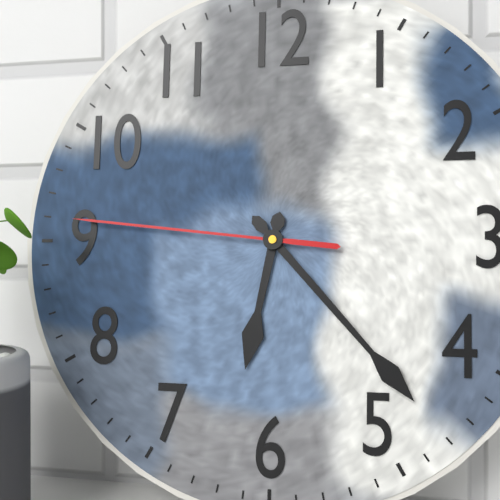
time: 6:23:46
